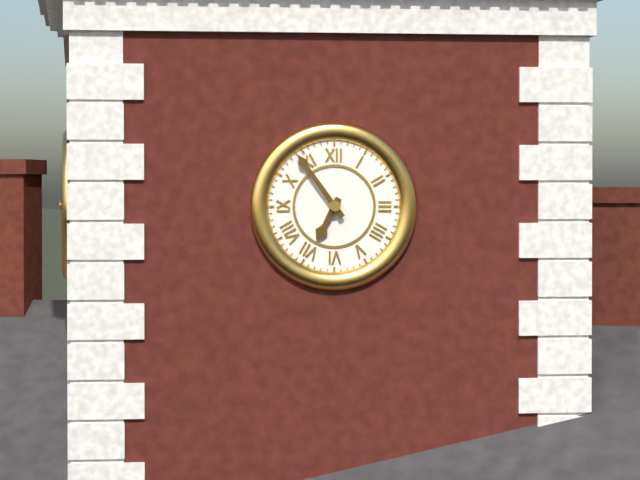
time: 6:54
